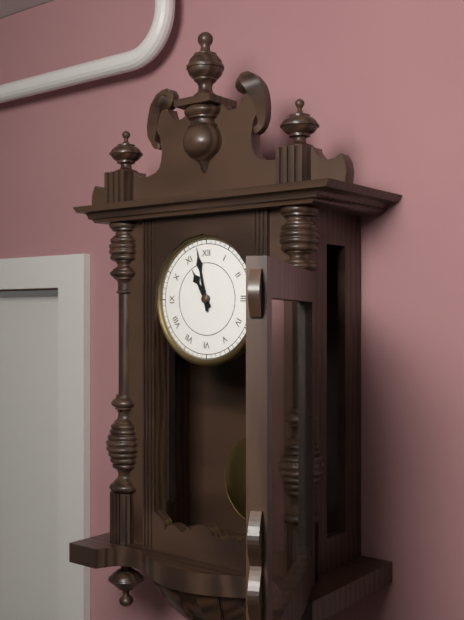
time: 10:58
